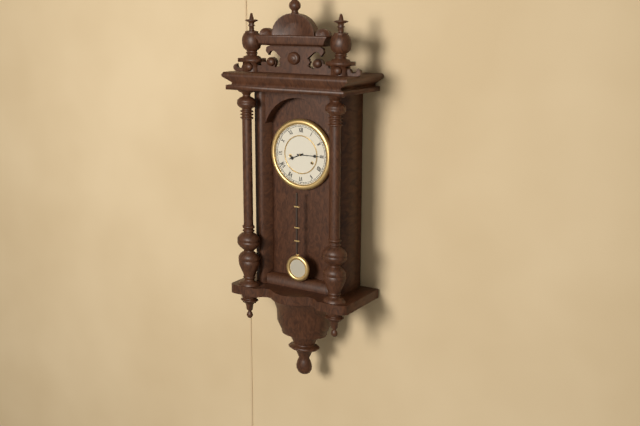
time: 8:15
